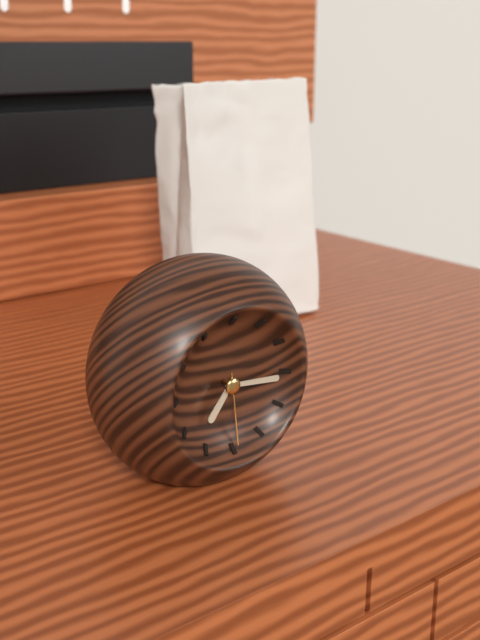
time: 7:16:29
